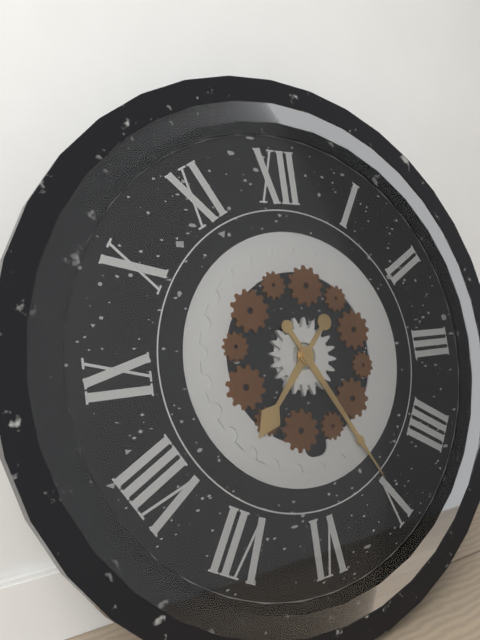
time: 7:25
